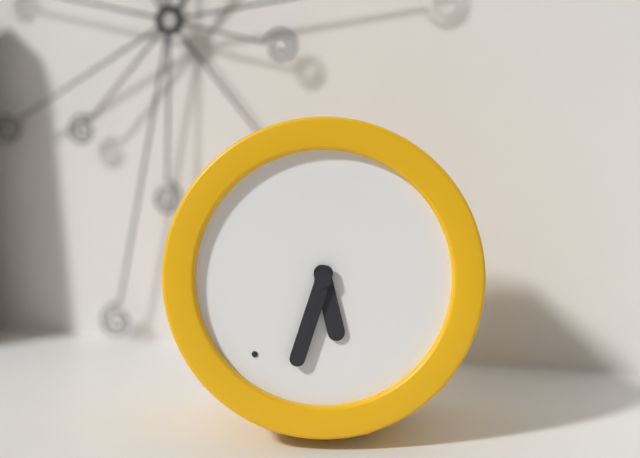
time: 5:33
